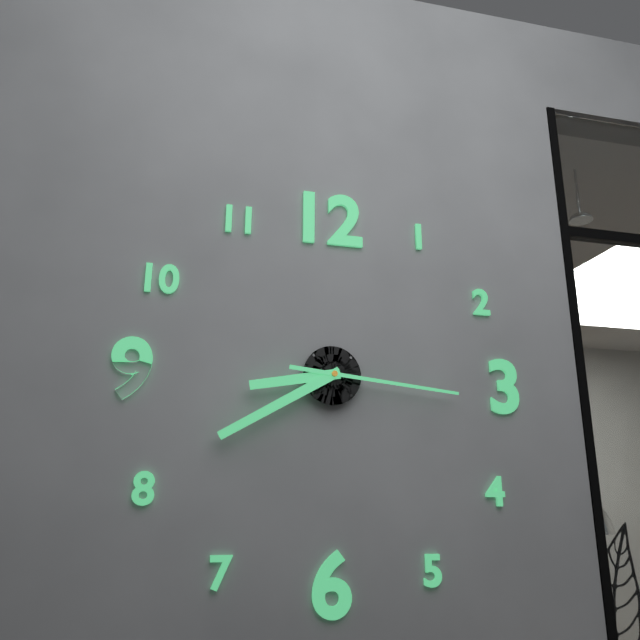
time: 8:40:16
